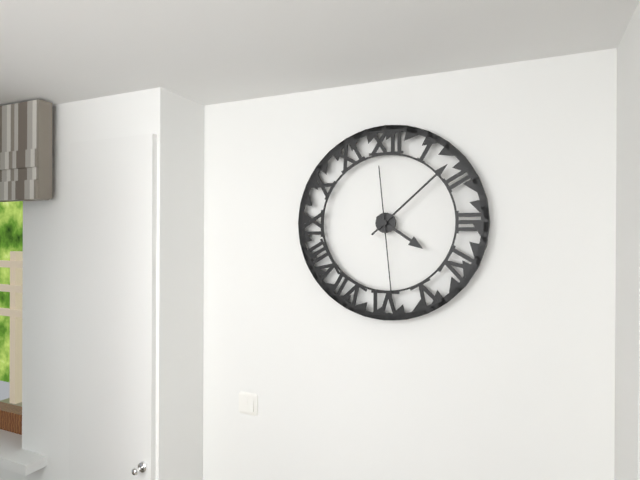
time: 4:08:29
